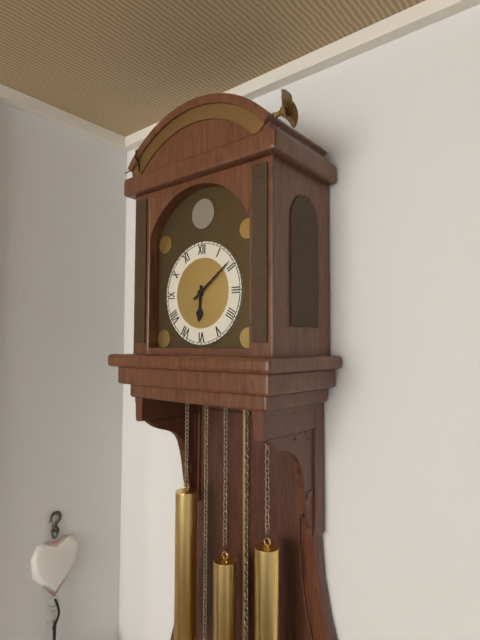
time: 6:09
